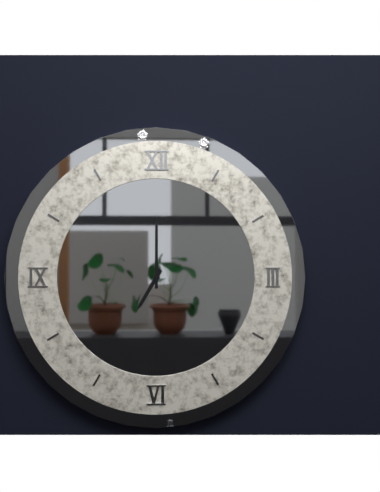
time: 7:00
